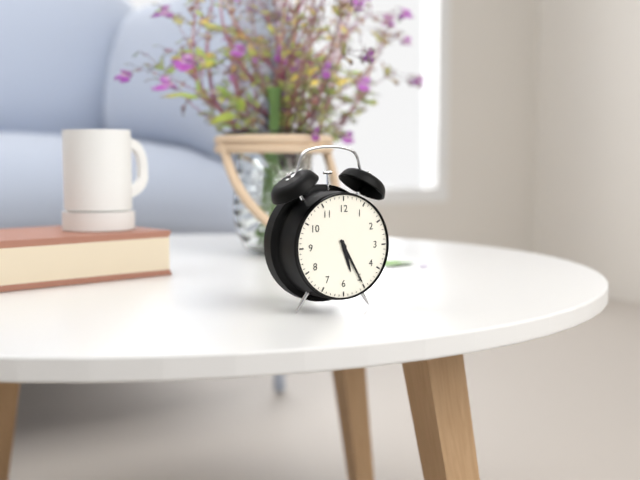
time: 5:25
